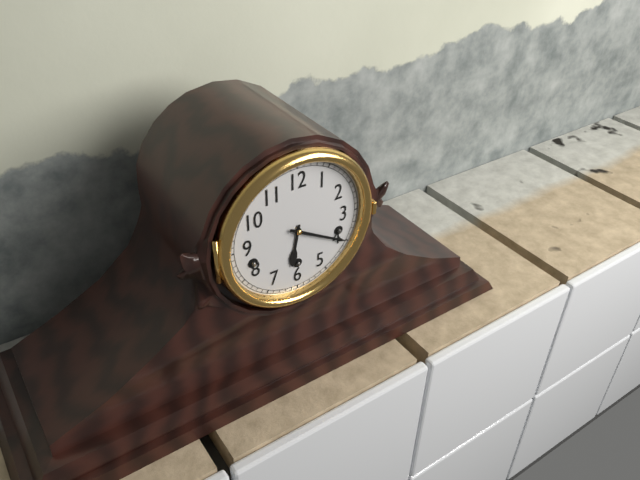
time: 6:20
